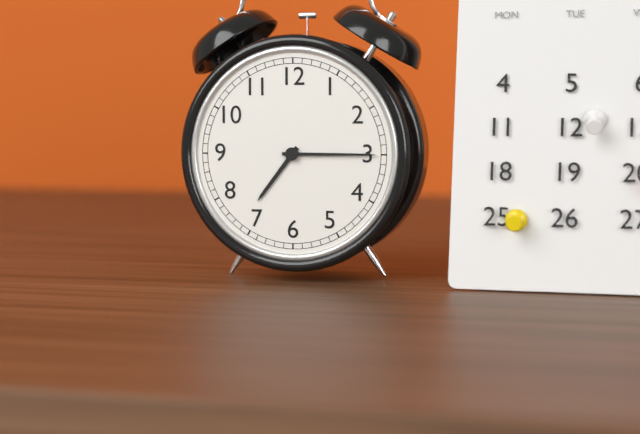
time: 7:15
